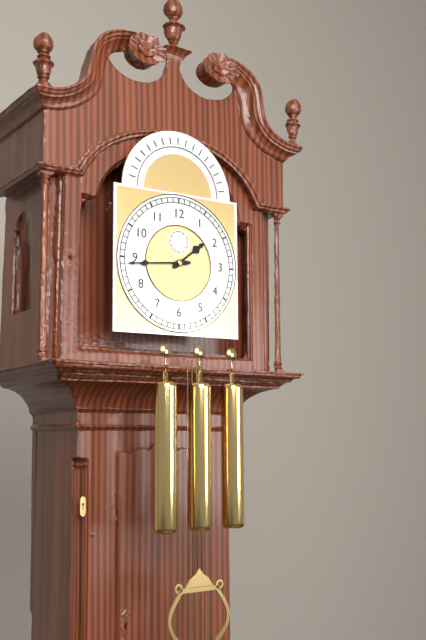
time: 1:44
